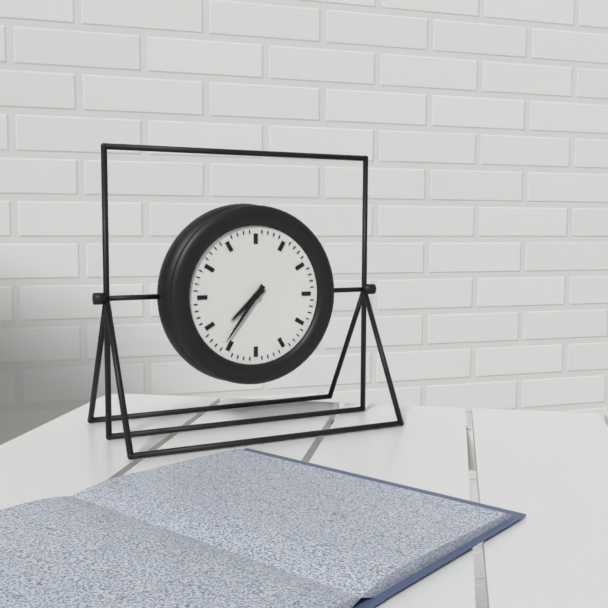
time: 7:36
